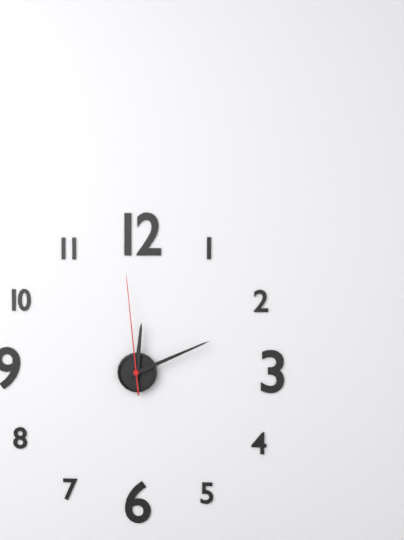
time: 12:11:59
